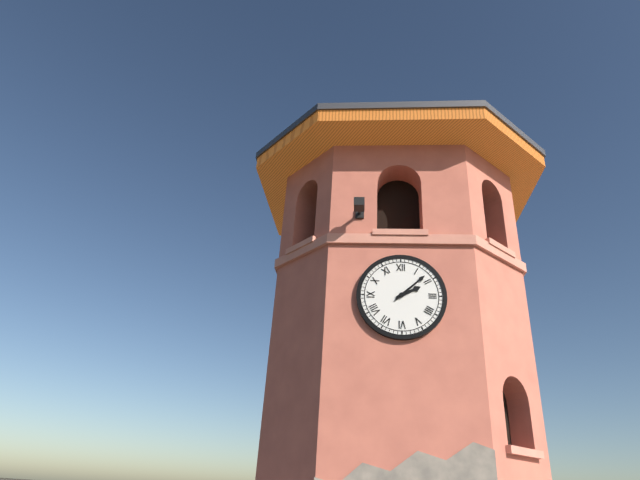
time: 2:08
